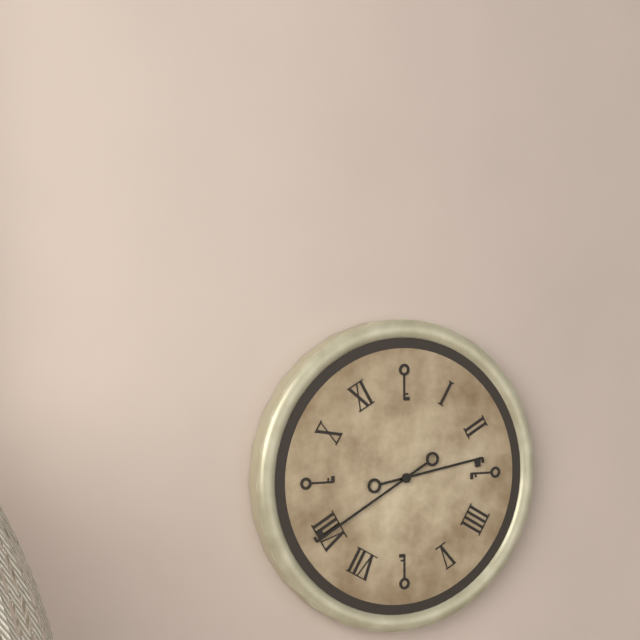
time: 2:40
